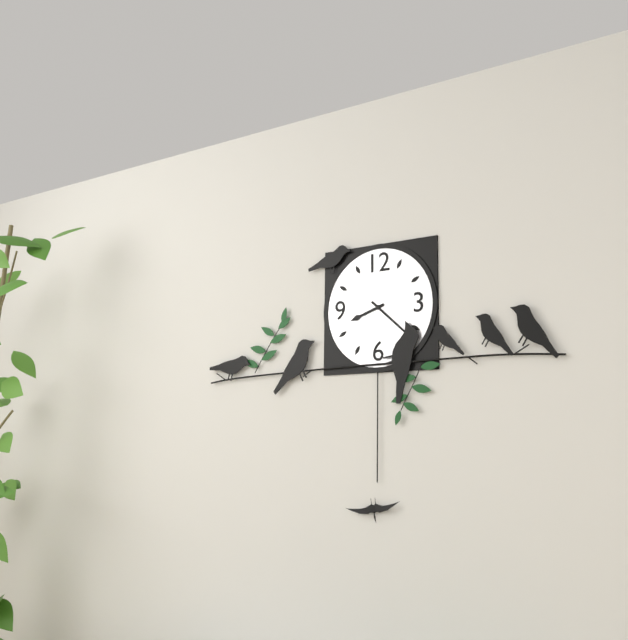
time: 8:22
